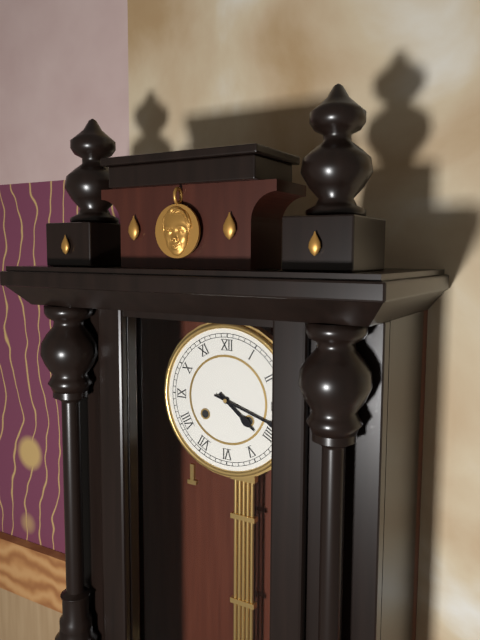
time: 4:18
